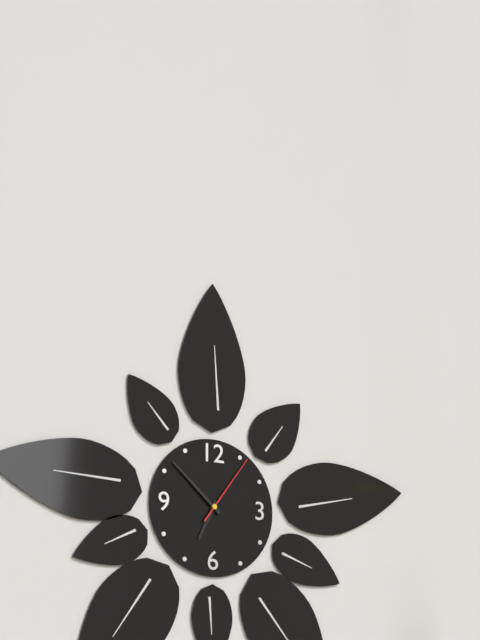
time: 6:52:06
